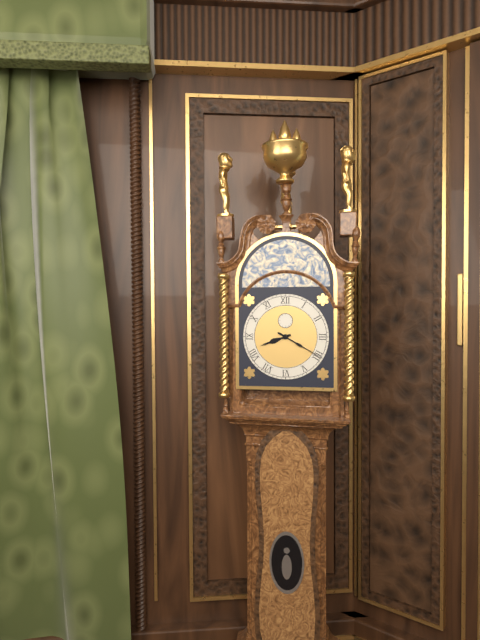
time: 8:20
